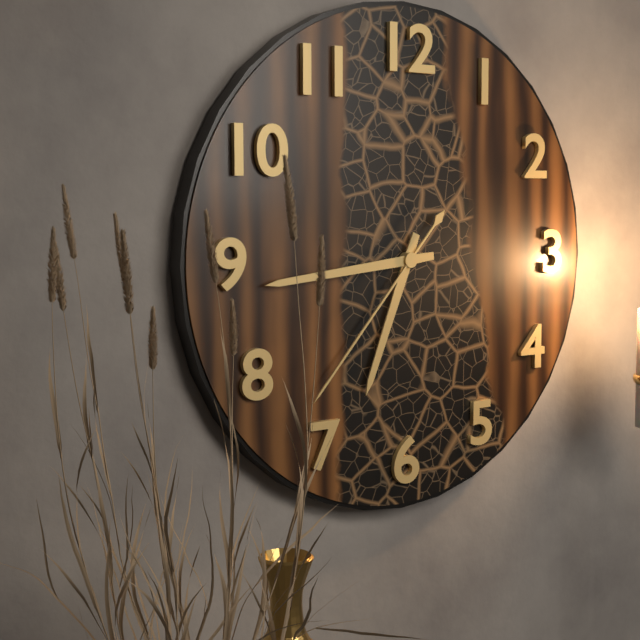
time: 6:44:37
